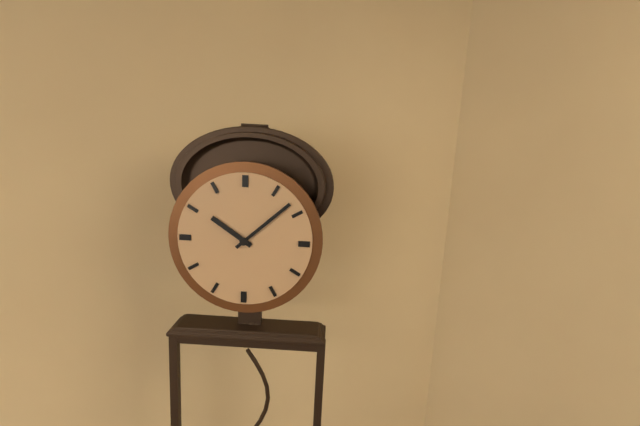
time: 10:08
